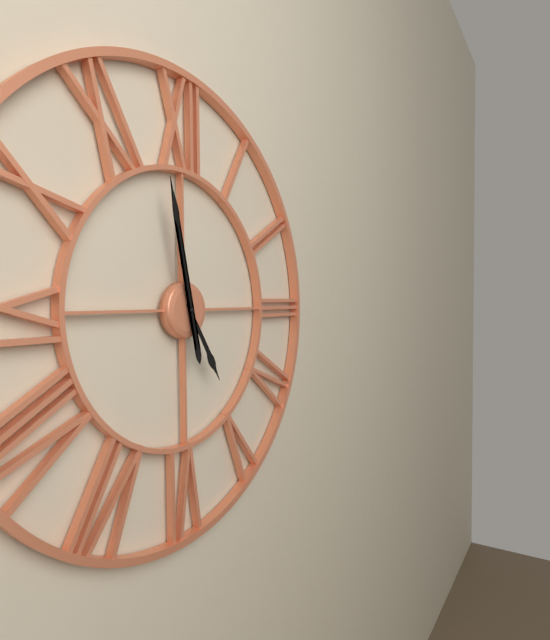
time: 4:58
